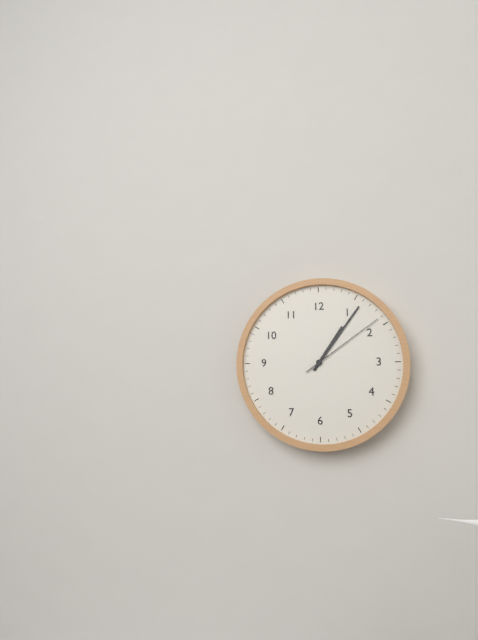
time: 1:06:09
